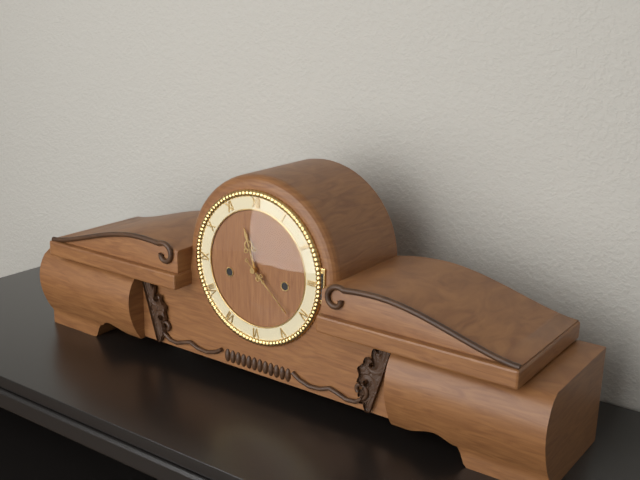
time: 11:22
